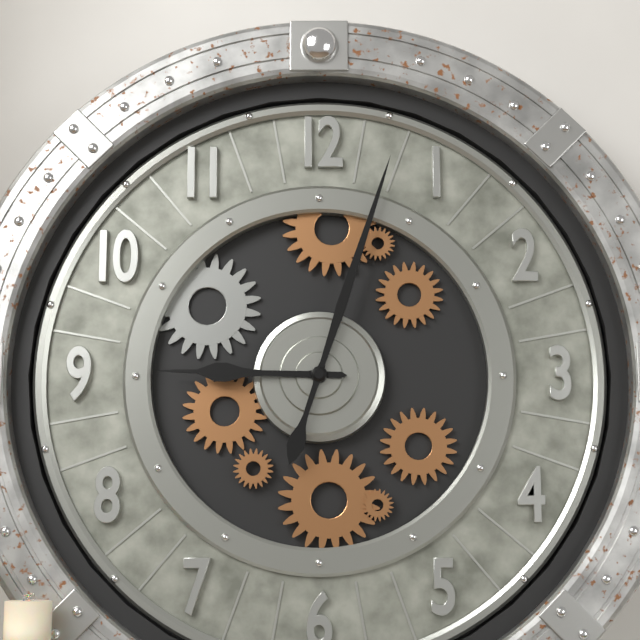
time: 9:03
